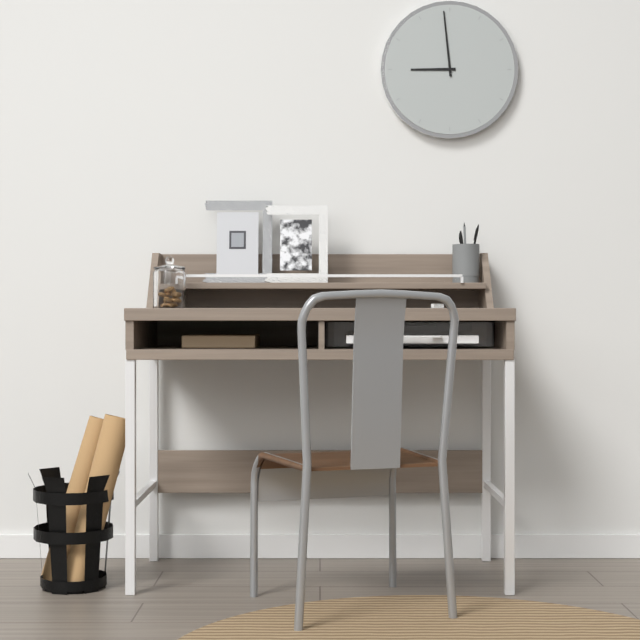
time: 8:59
